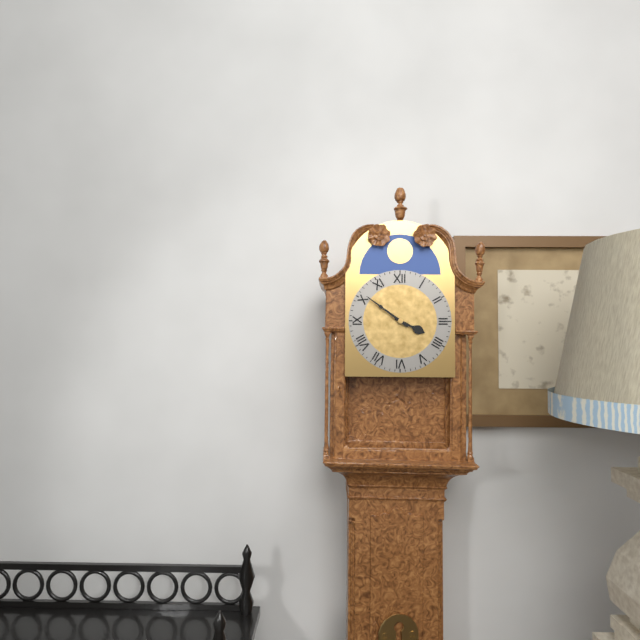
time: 3:51
